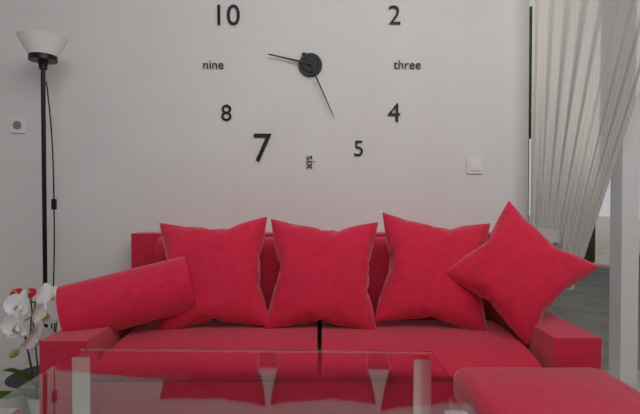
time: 9:26
